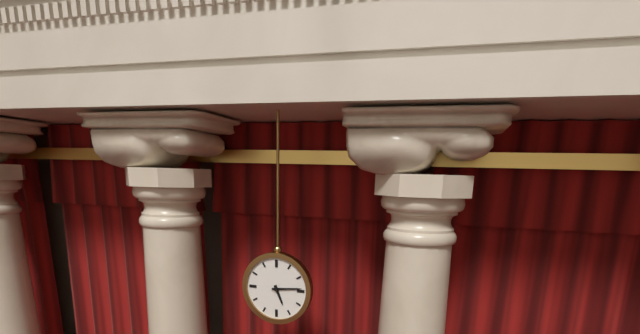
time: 5:14
